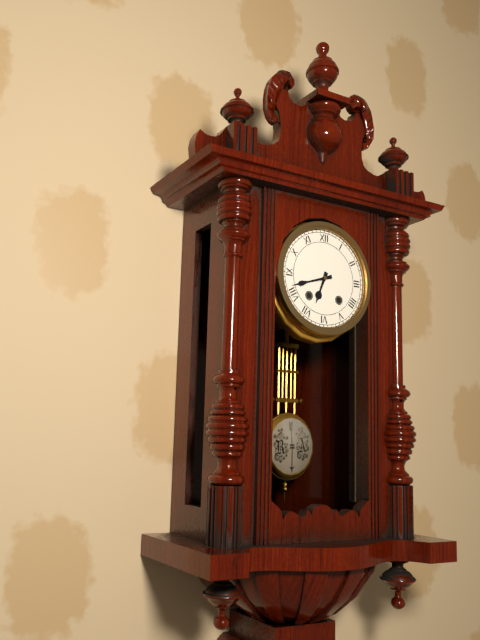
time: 6:42
